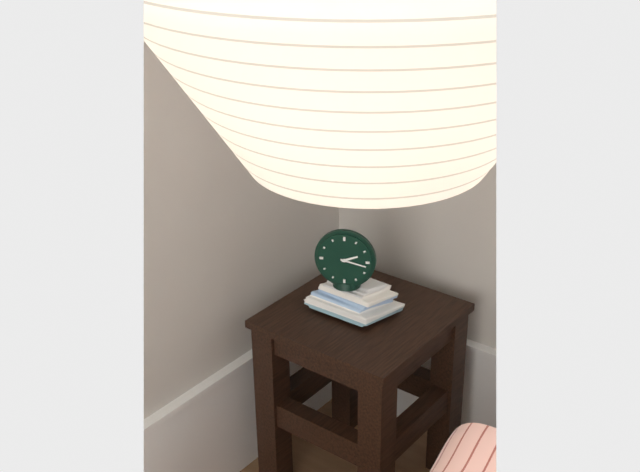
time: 2:17
